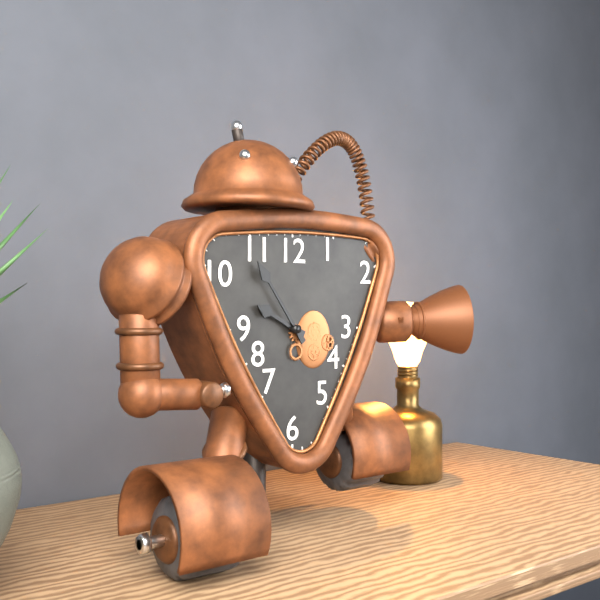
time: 9:54
